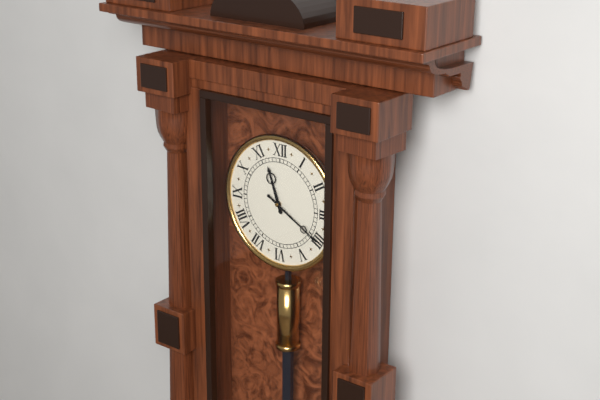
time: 11:20
